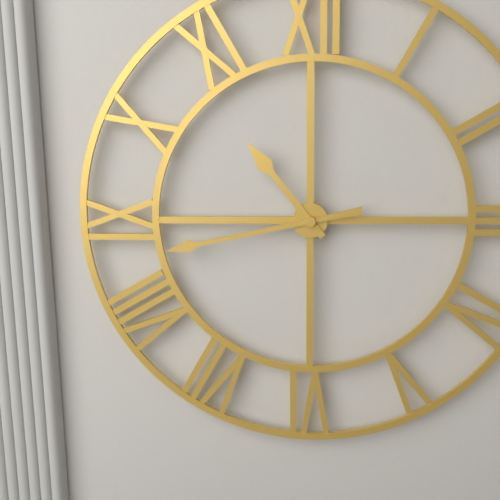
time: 10:43
